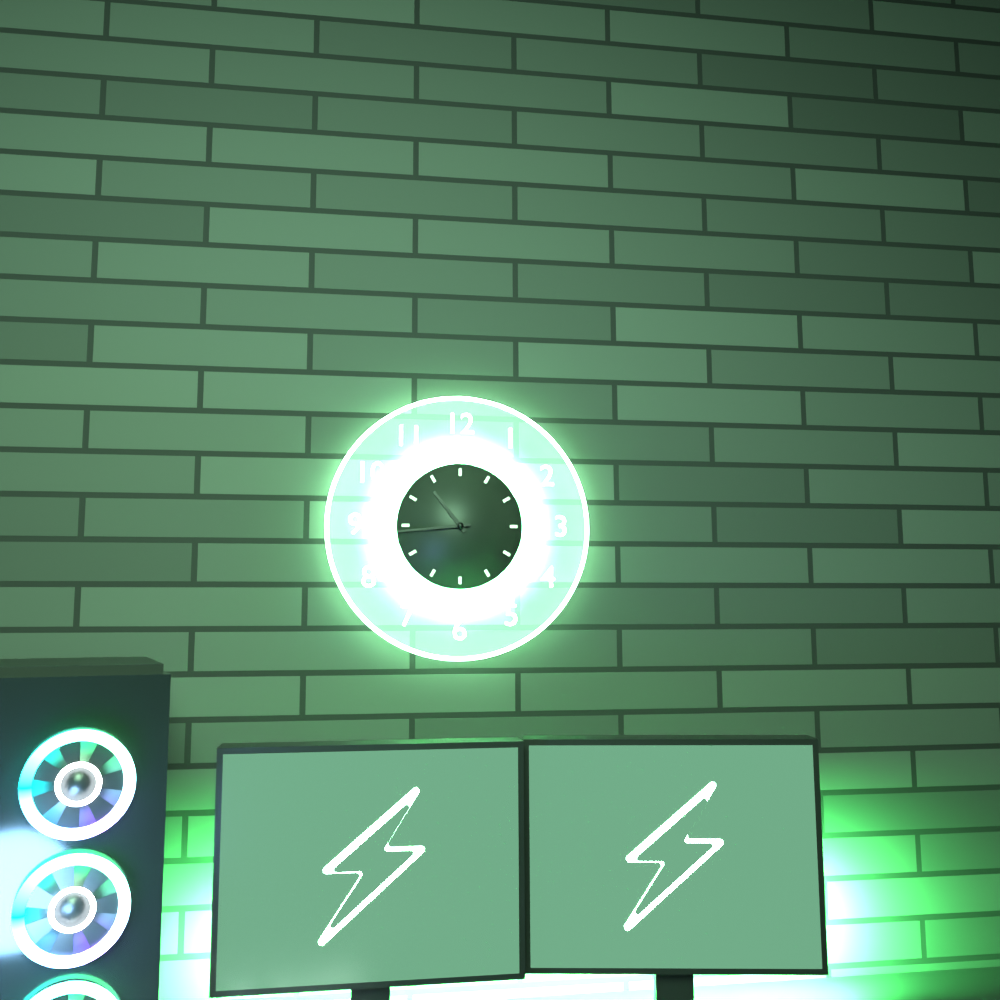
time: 10:44
